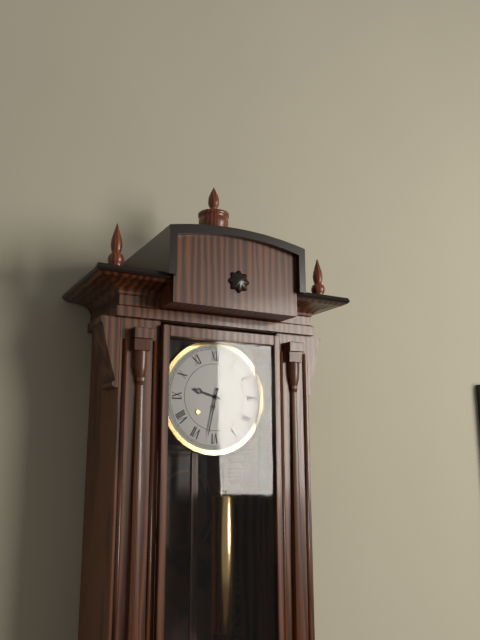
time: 9:32
